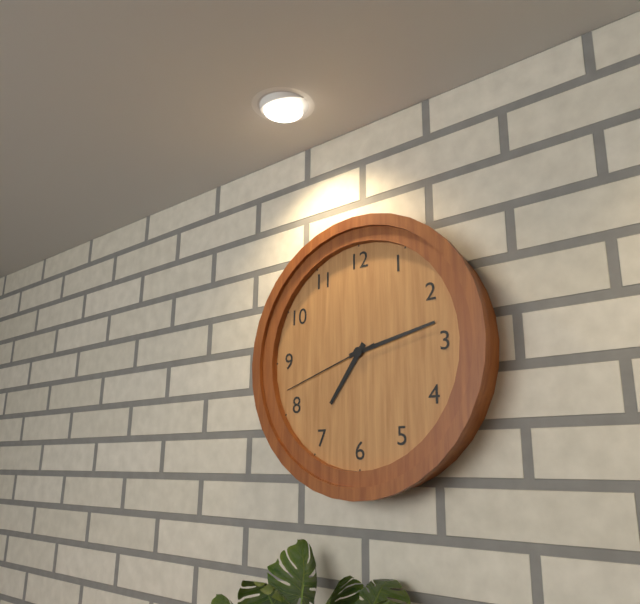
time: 7:13:42
